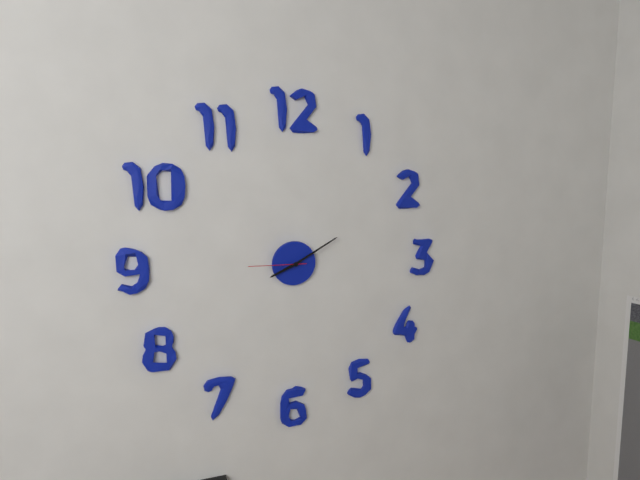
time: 8:10:45
